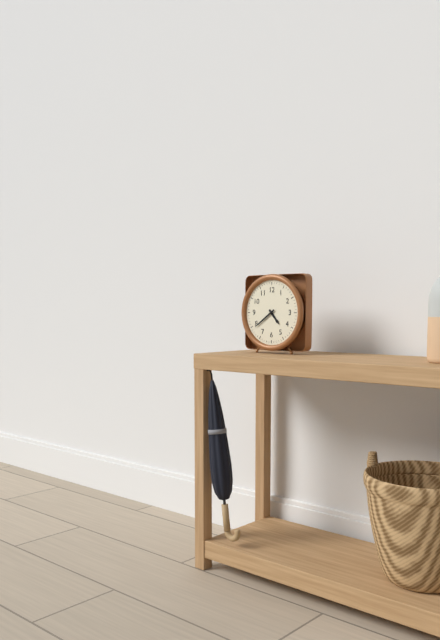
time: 4:39
